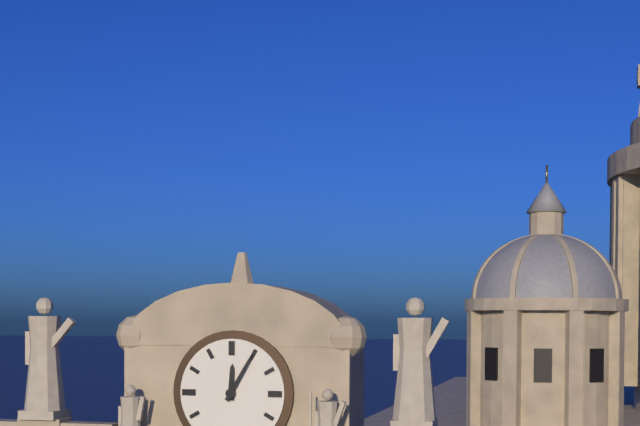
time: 12:05
